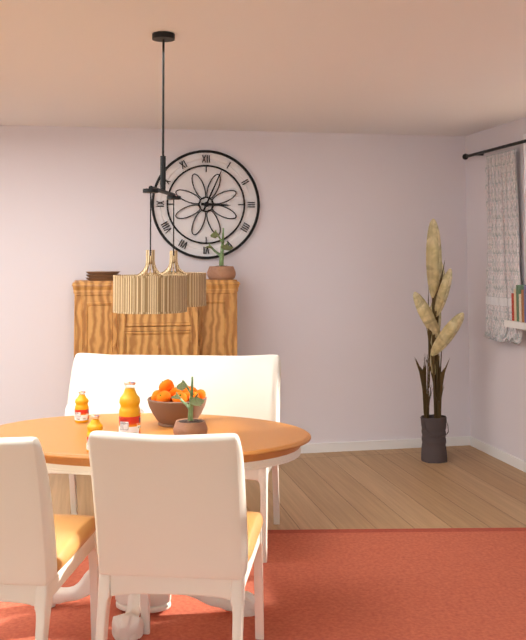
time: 3:04
